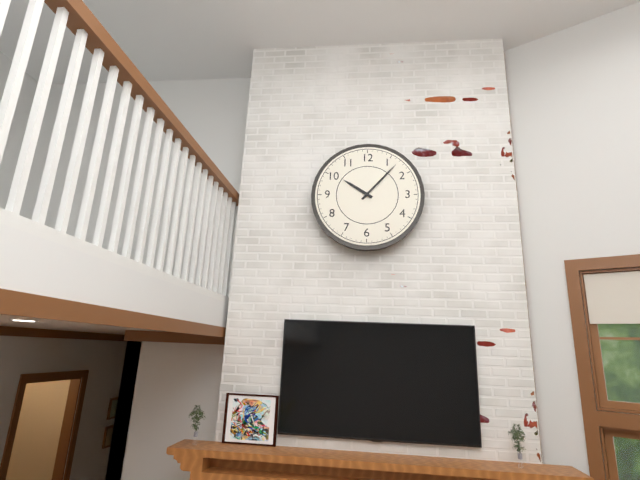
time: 10:07
